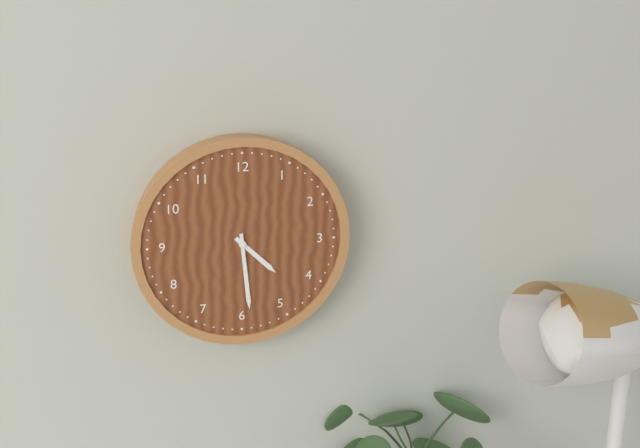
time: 4:29
